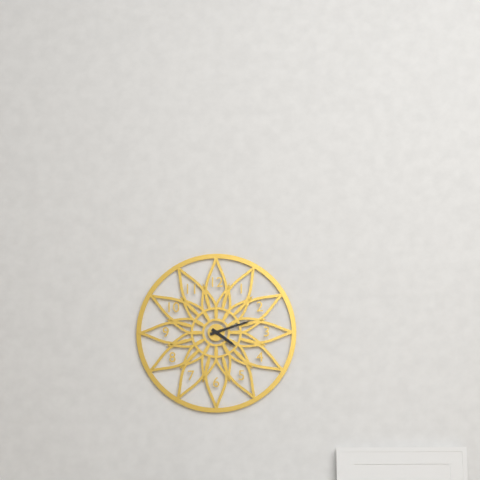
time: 4:12
